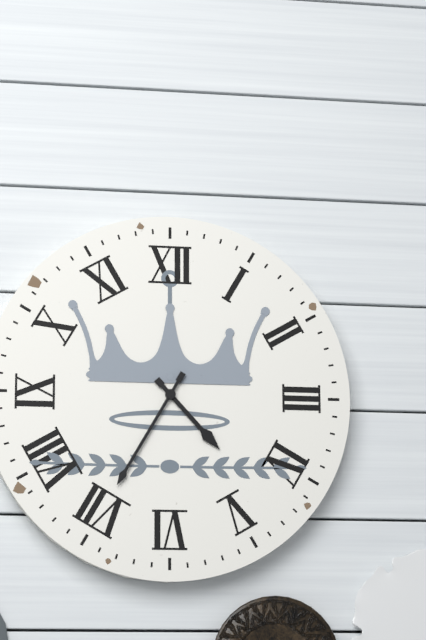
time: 4:35
